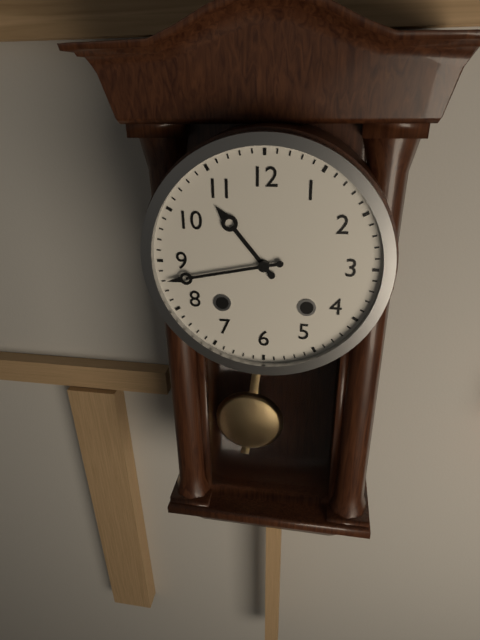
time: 10:43
